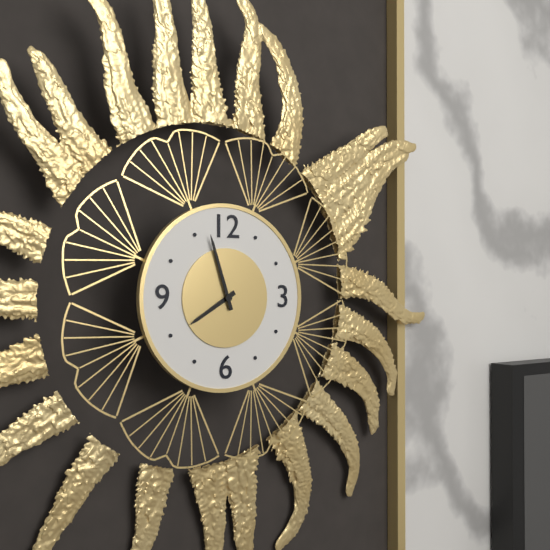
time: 7:57
